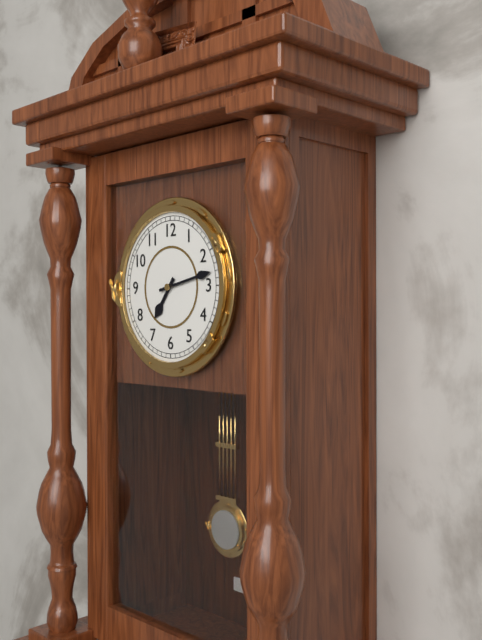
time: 7:13
